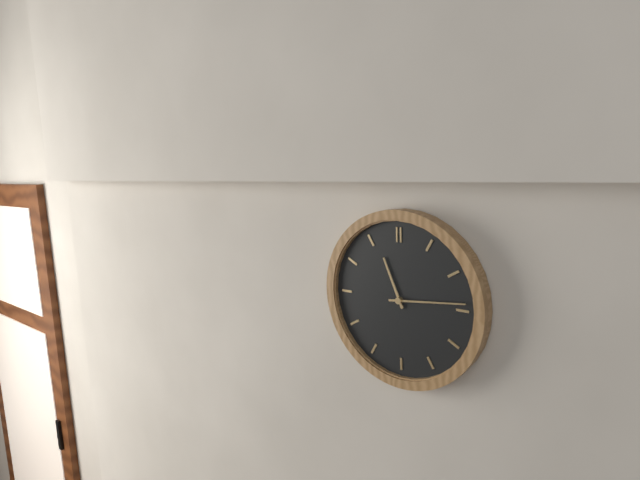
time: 11:14
